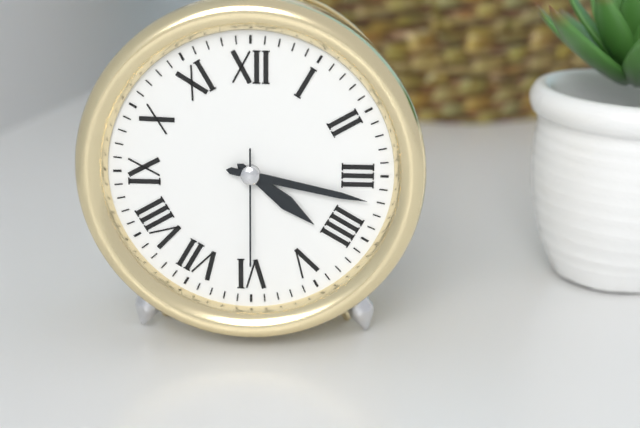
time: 4:17:30
